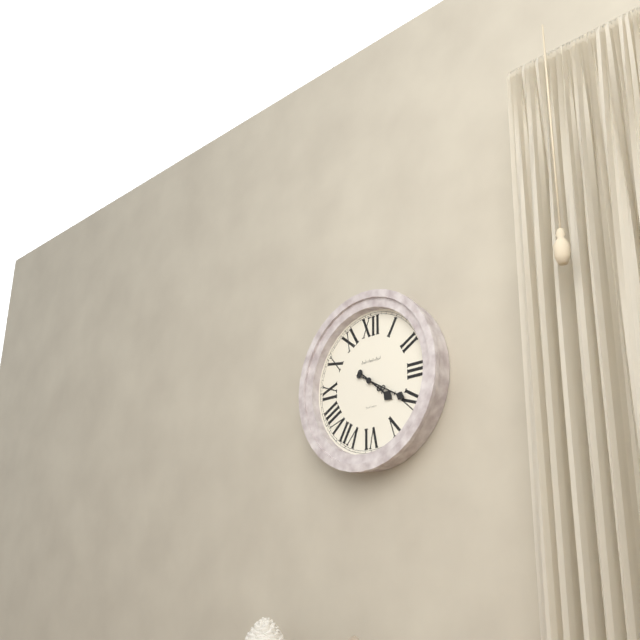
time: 4:20
